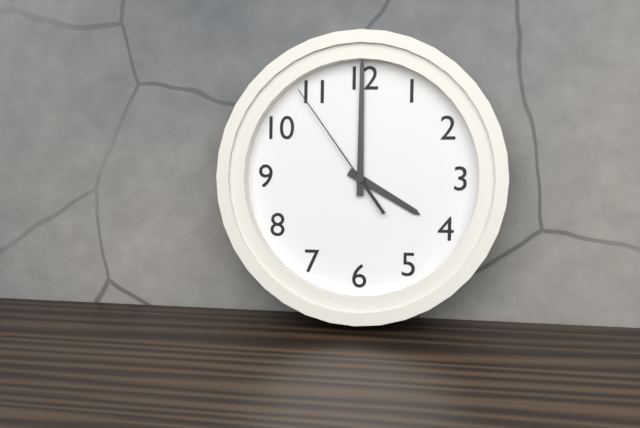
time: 4:00:54
